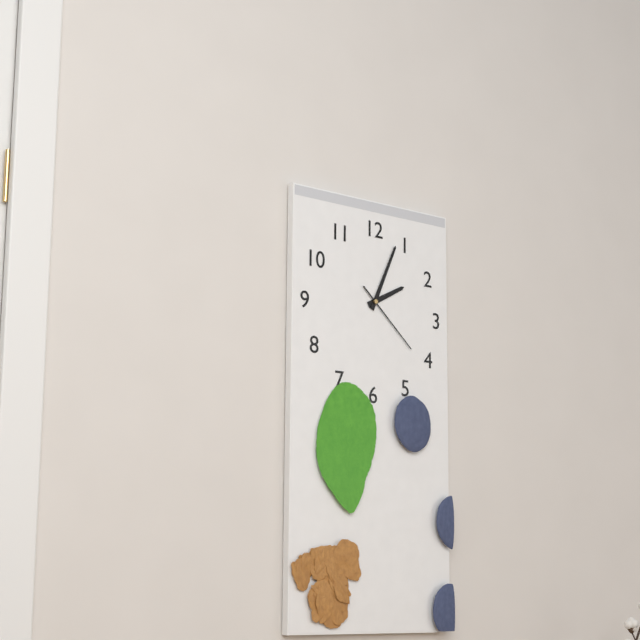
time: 2:04:22
